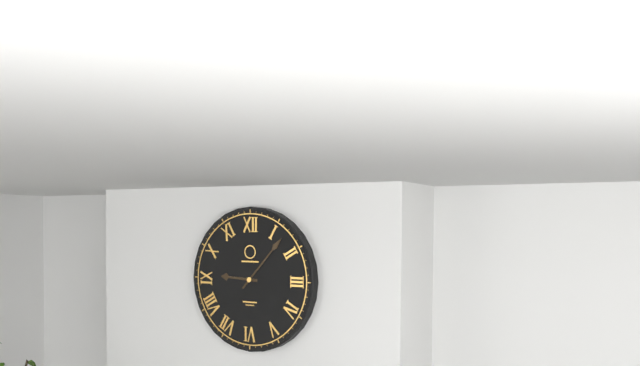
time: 9:07
